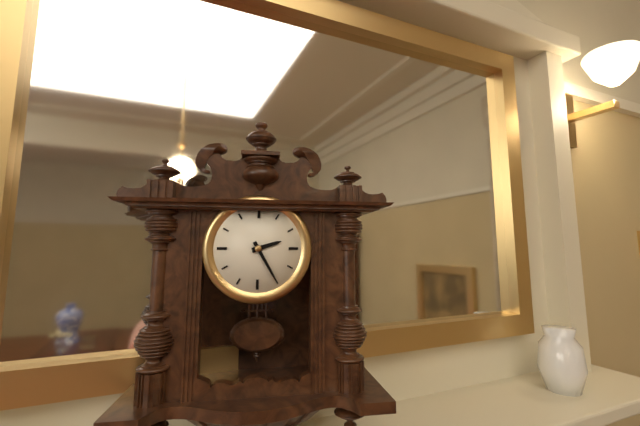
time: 2:25
